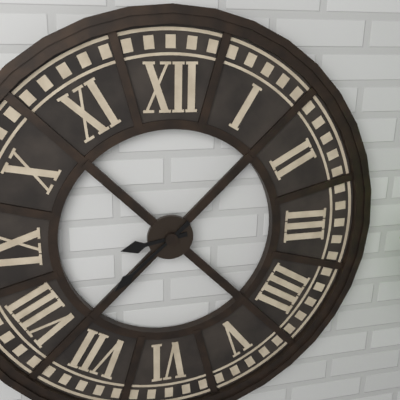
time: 8:38
